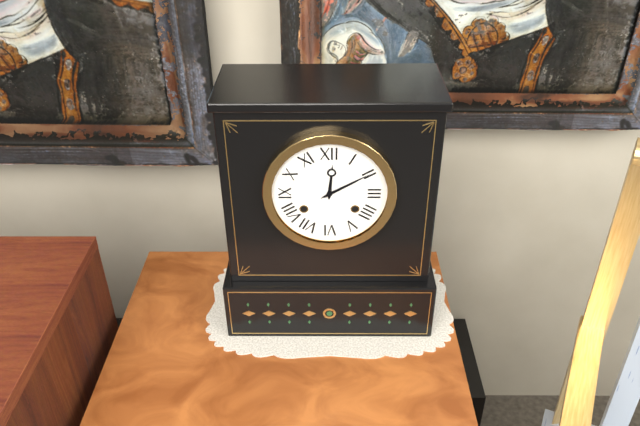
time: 12:10
